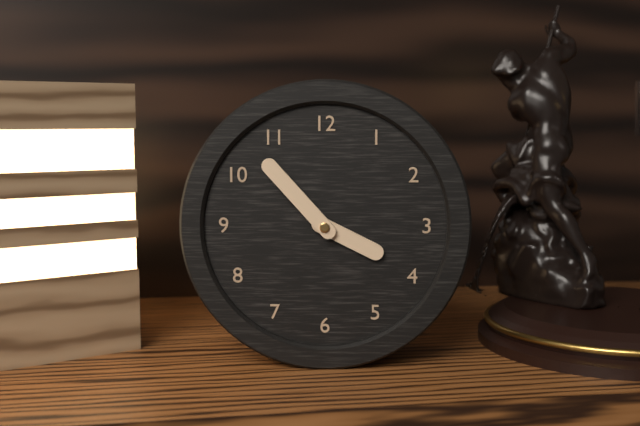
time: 3:53
